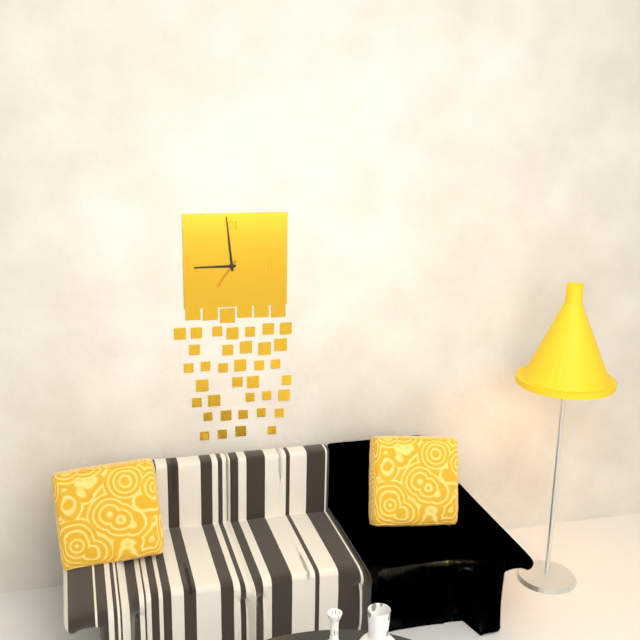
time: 8:59
